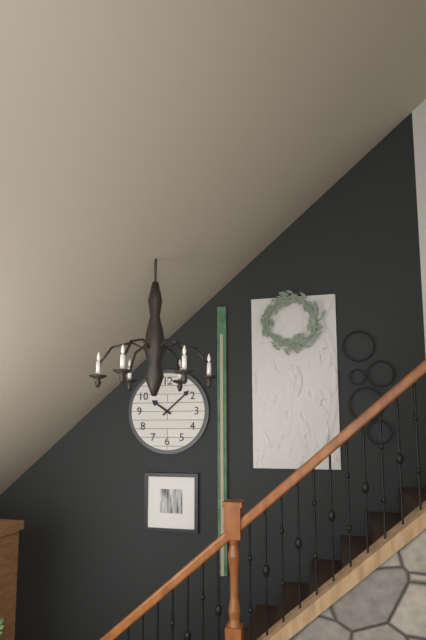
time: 10:08
